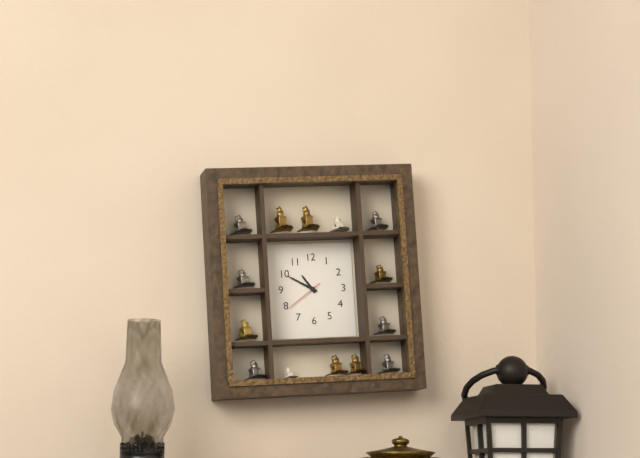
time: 10:50
